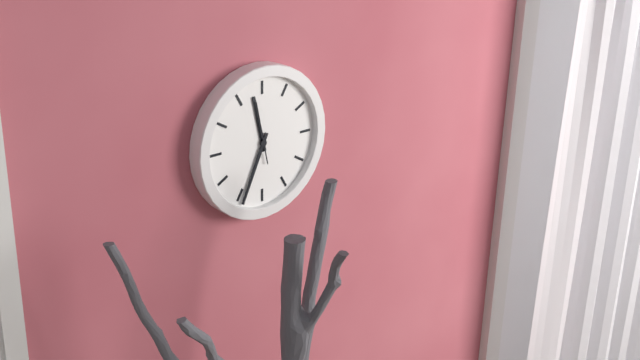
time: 11:34
